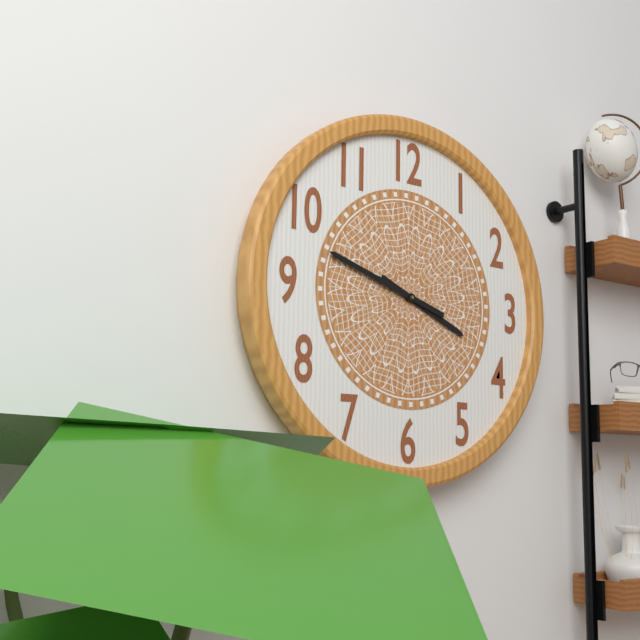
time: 3:48
